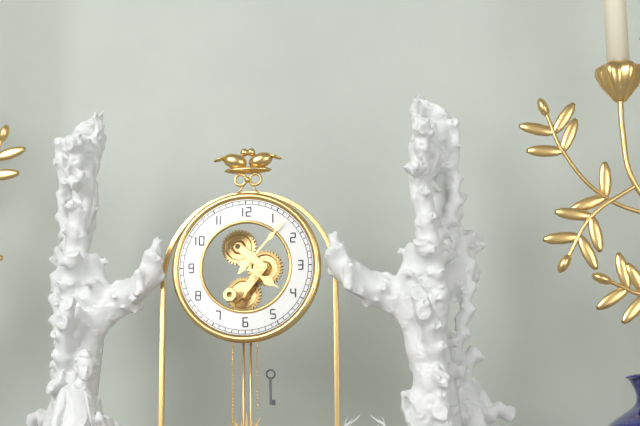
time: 4:07
